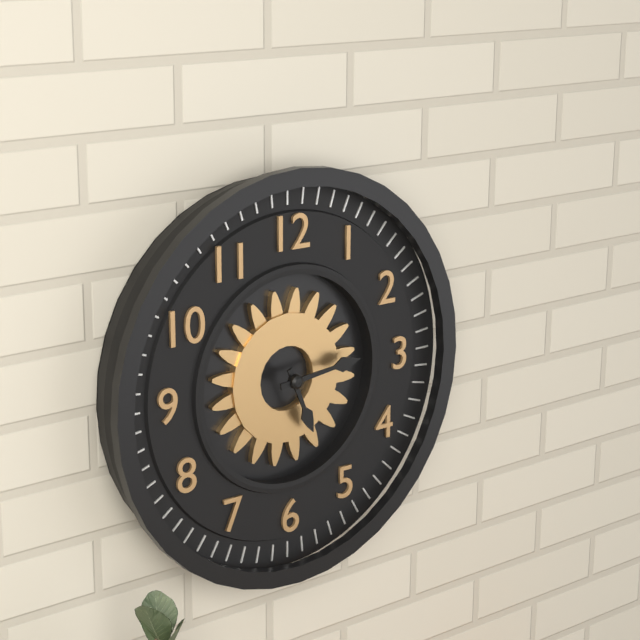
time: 5:14
